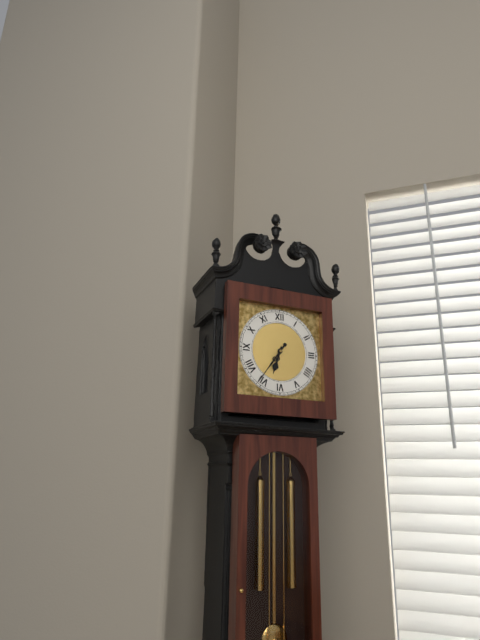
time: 6:36
